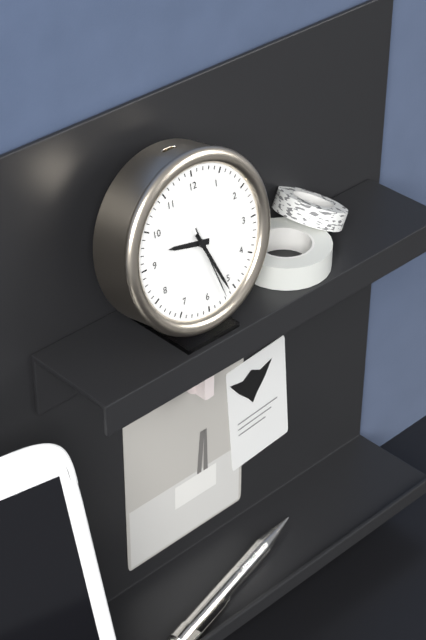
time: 9:26:27
